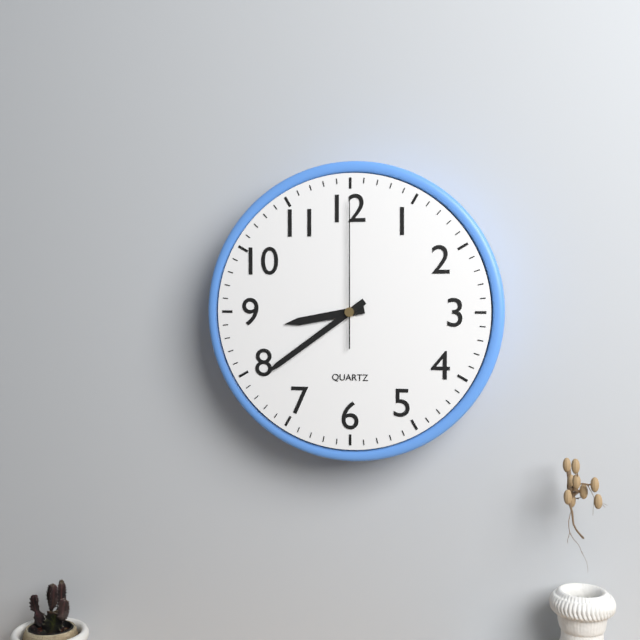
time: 8:39:00
